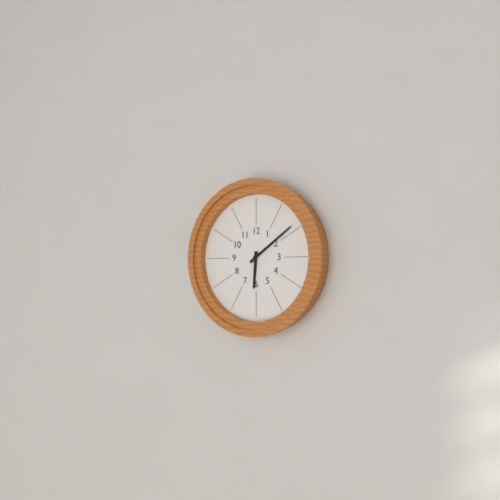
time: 6:09
